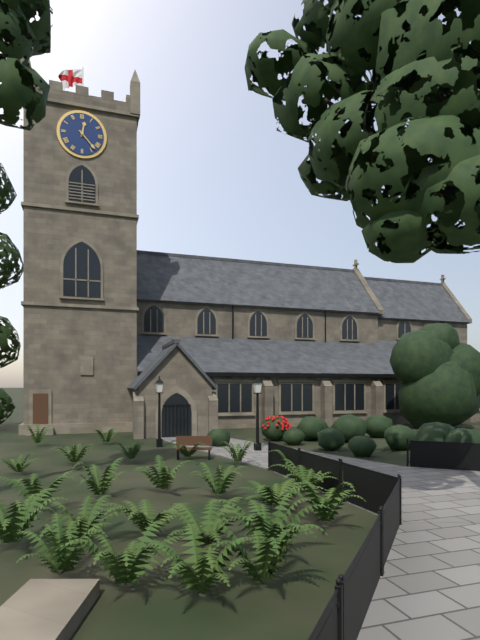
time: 12:23
